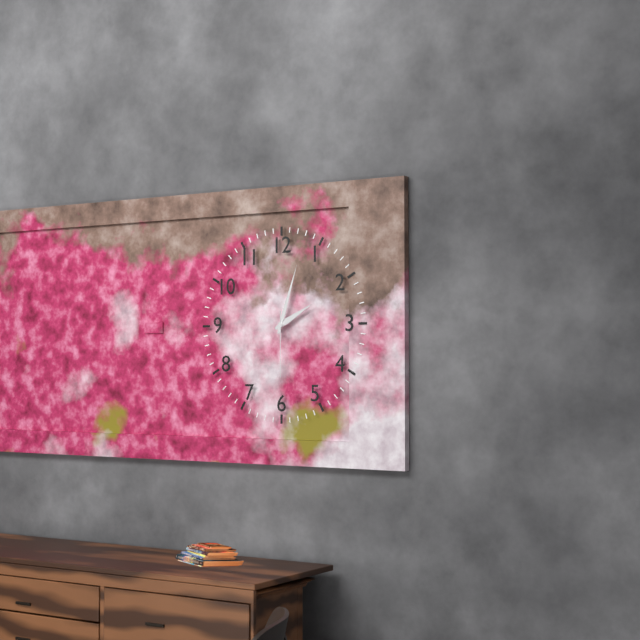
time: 2:03:30
